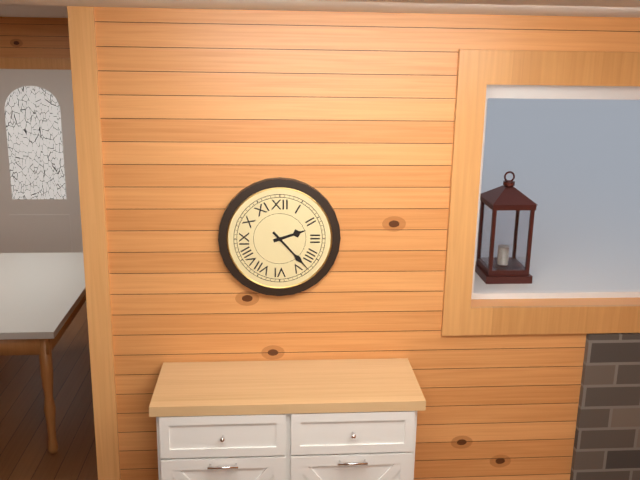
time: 2:23
